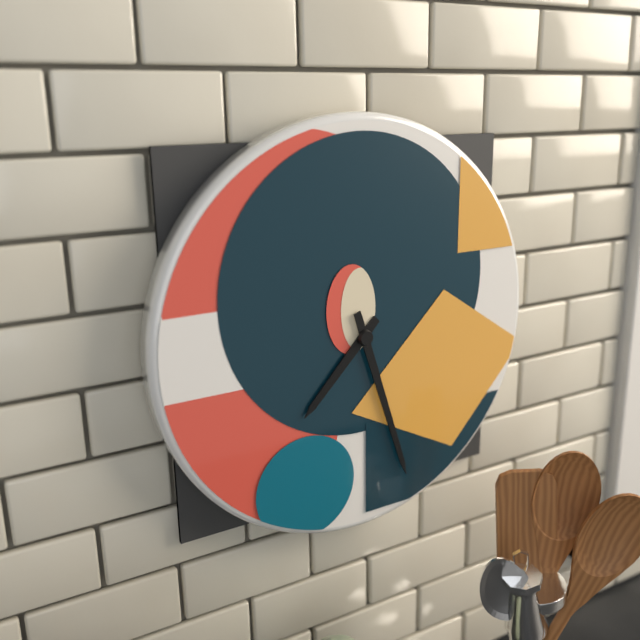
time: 7:27
